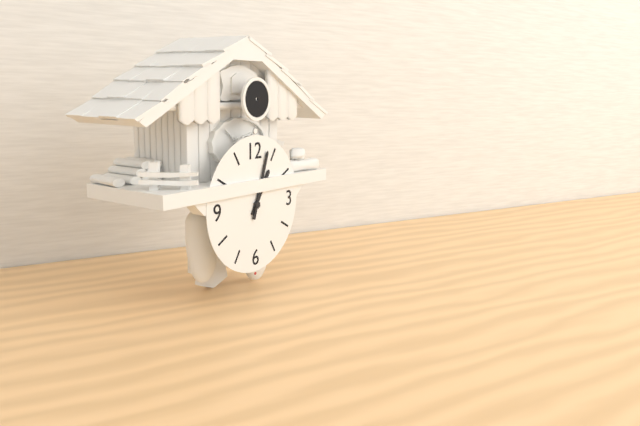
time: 1:03
